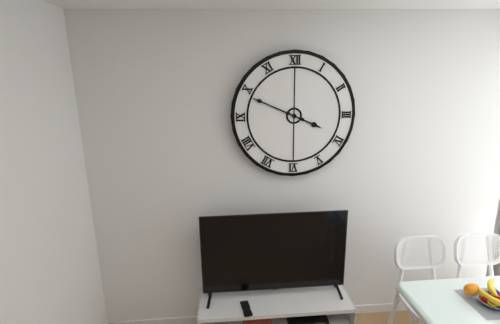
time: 3:49
